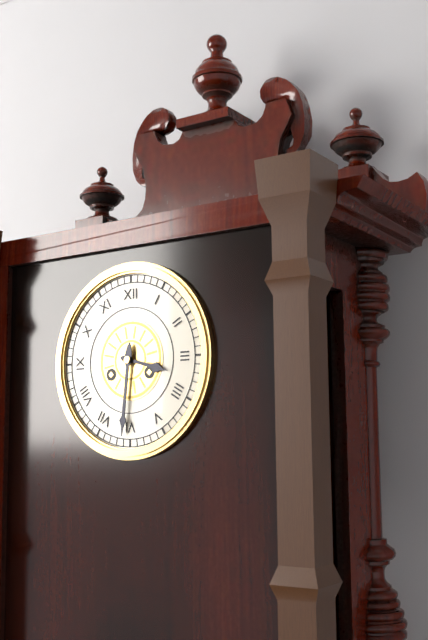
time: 3:31
